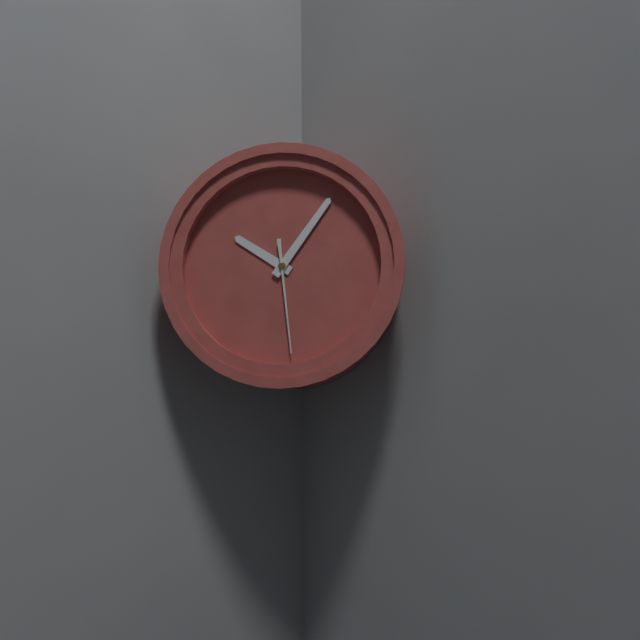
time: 10:06:29
